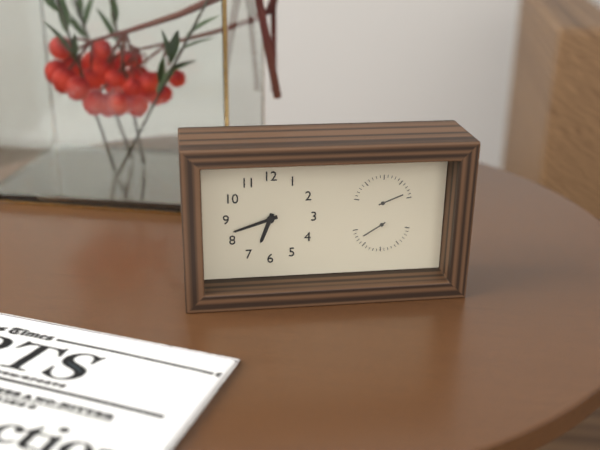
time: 6:42
